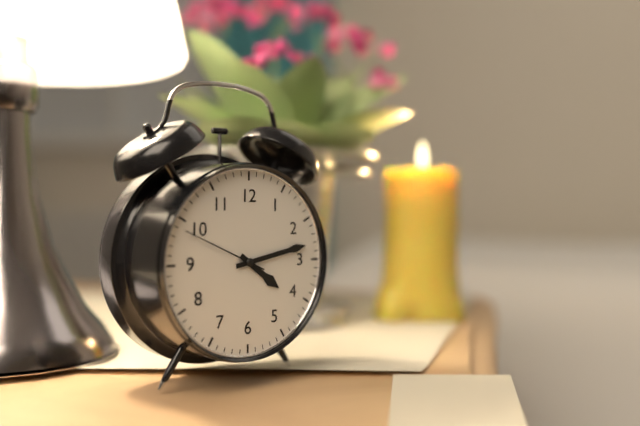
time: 4:13:49
